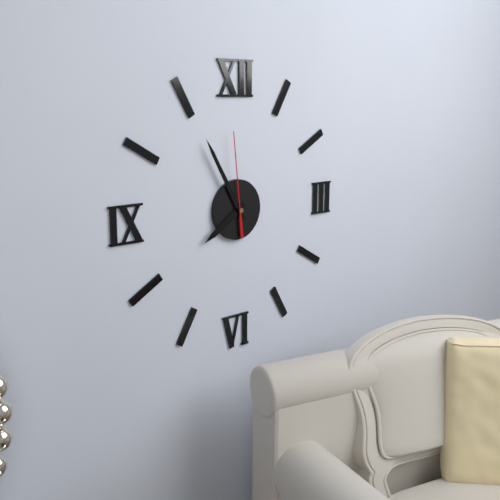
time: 7:55:59
